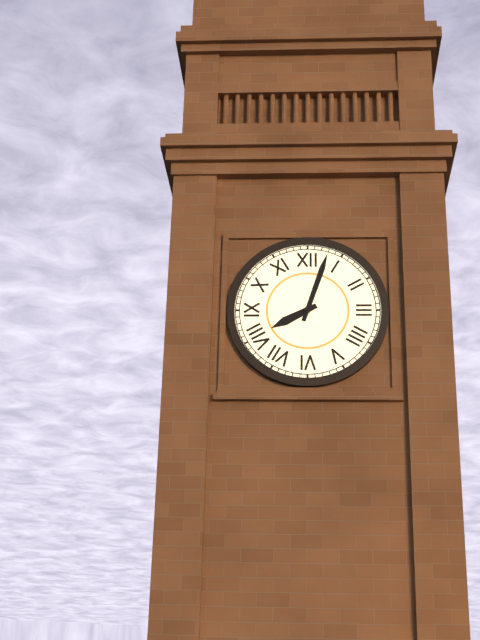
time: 8:03
